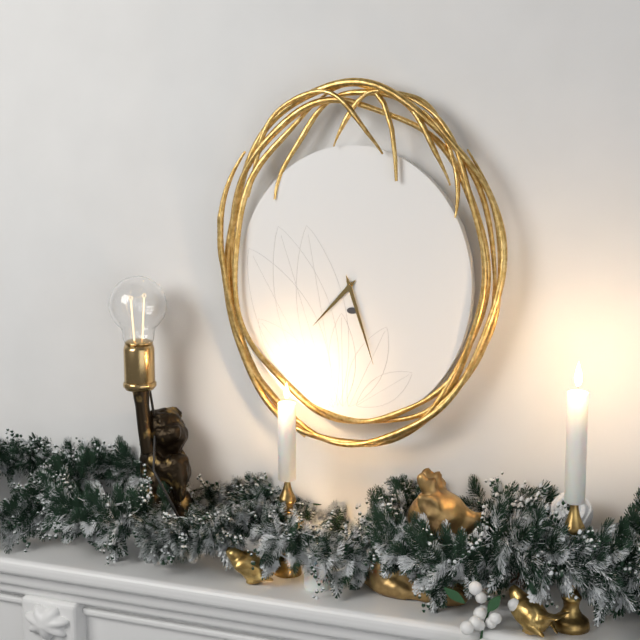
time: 7:27
